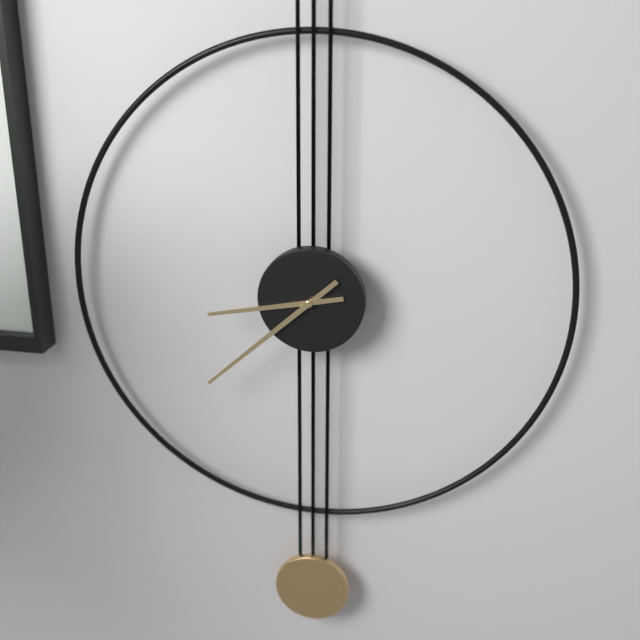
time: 8:38
